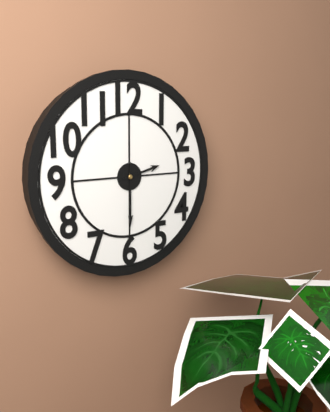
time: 2:30
